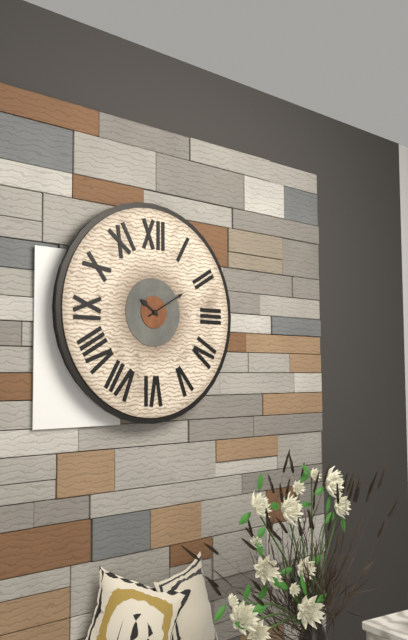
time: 10:10
